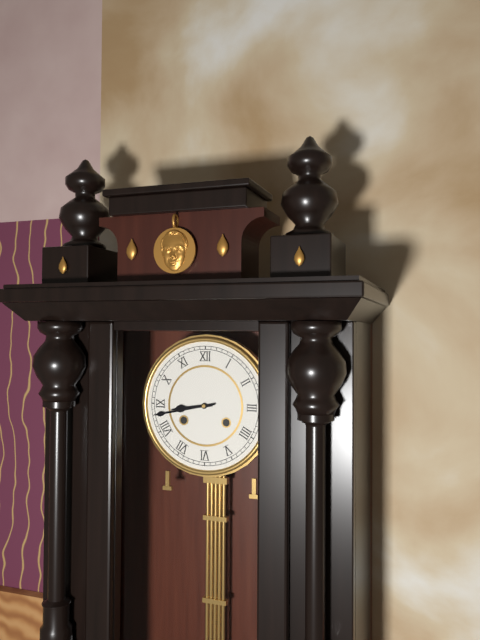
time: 8:43
